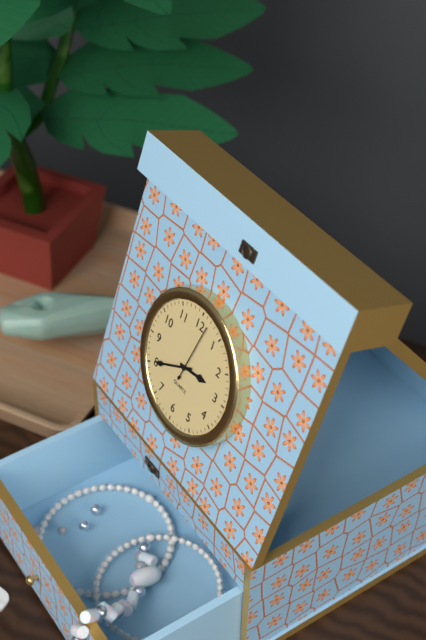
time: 2:40:02
